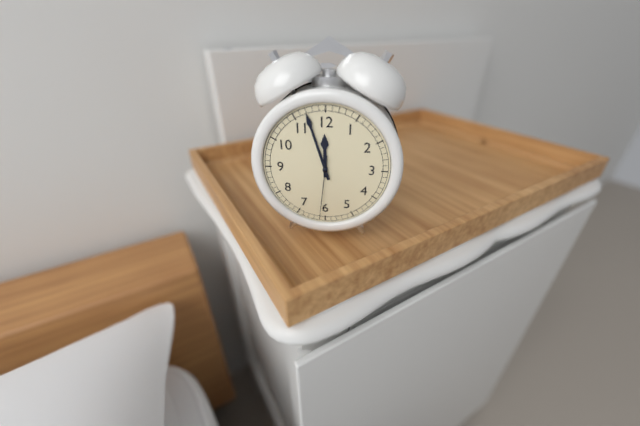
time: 11:57:31
